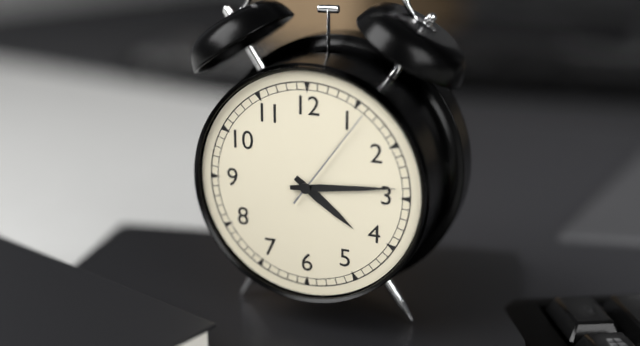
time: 4:14:06
